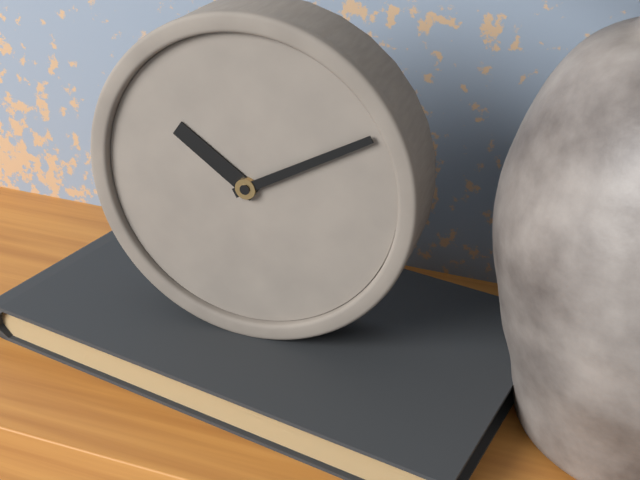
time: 10:10
